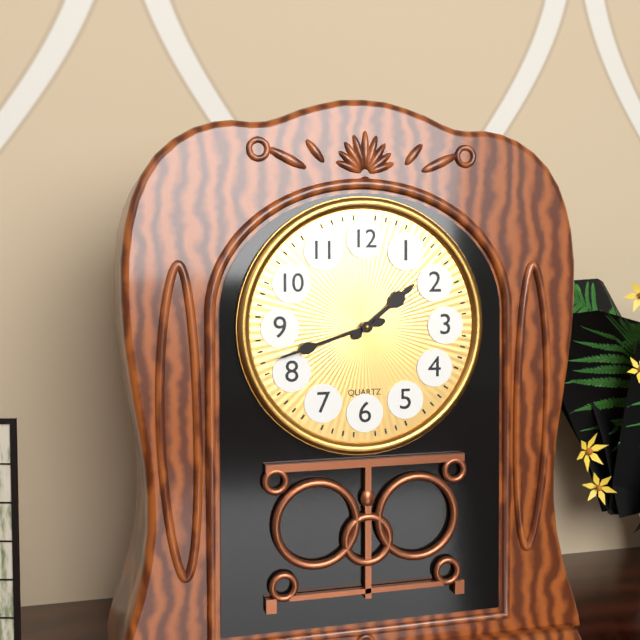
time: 1:42
